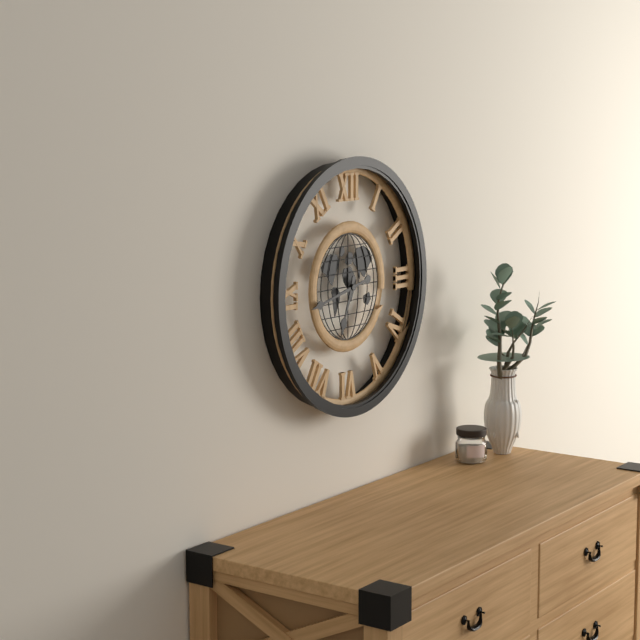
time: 6:43
